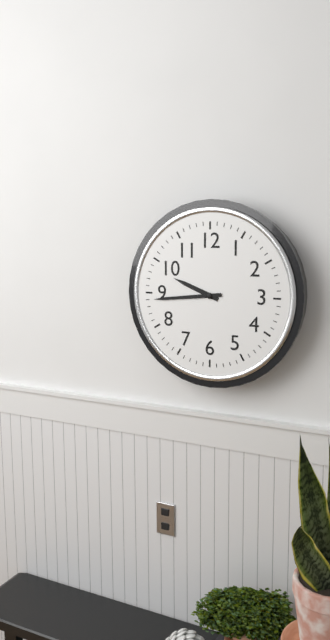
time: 9:44
